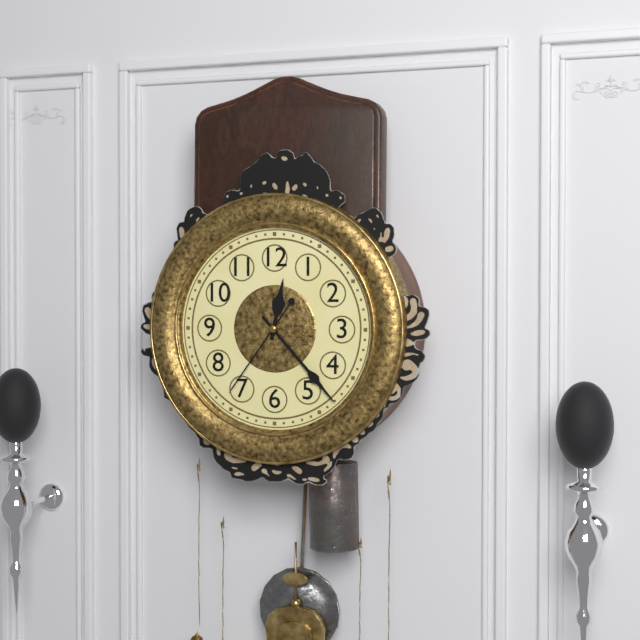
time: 12:23:36
